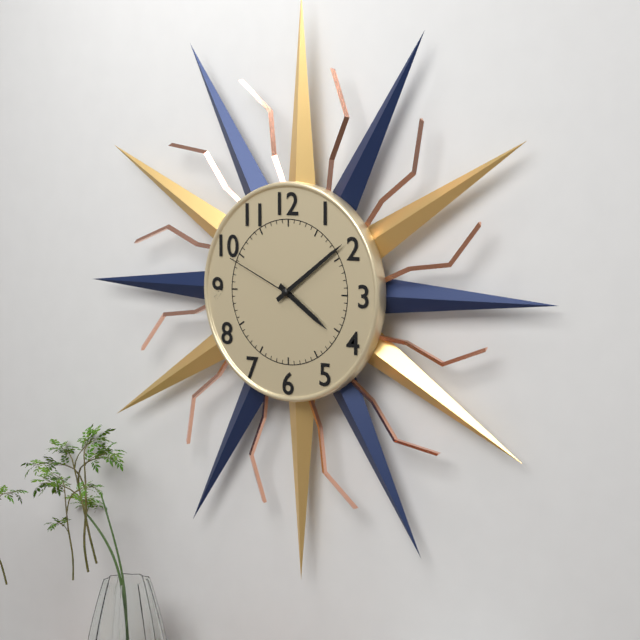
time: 4:09:49
